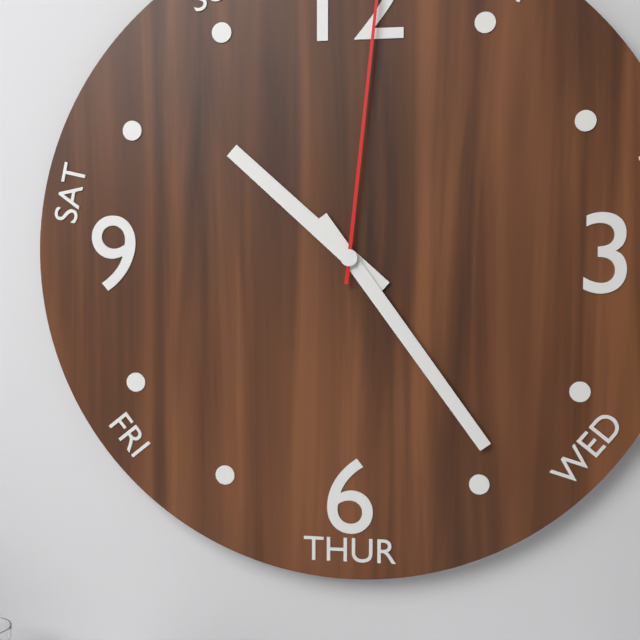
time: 10:24
